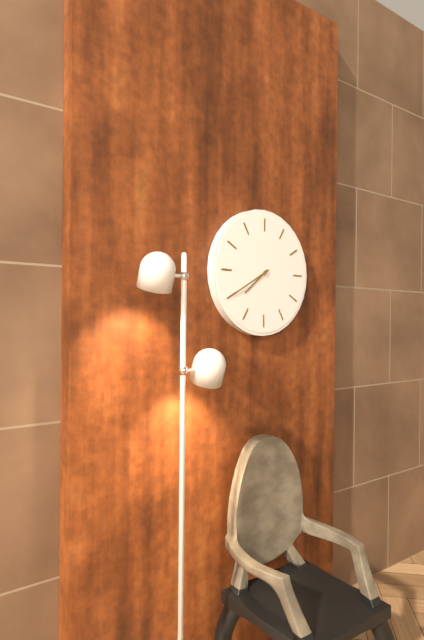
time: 7:40
